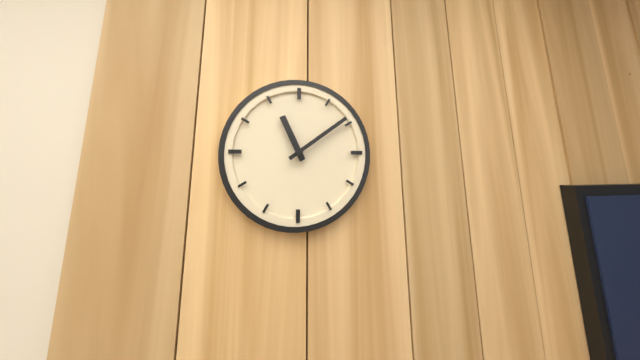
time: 11:09
